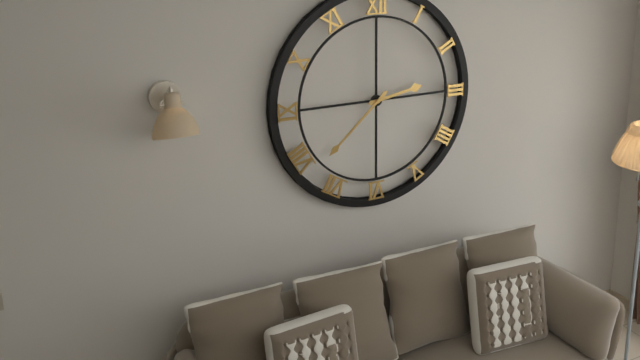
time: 2:38
